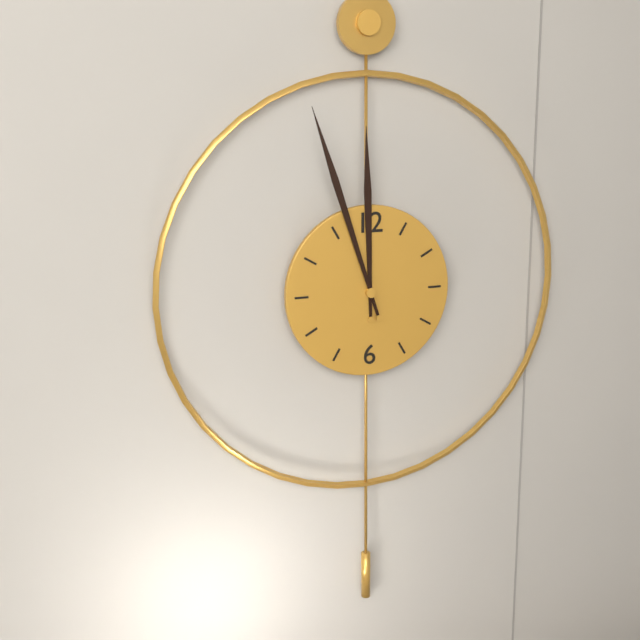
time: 11:57
